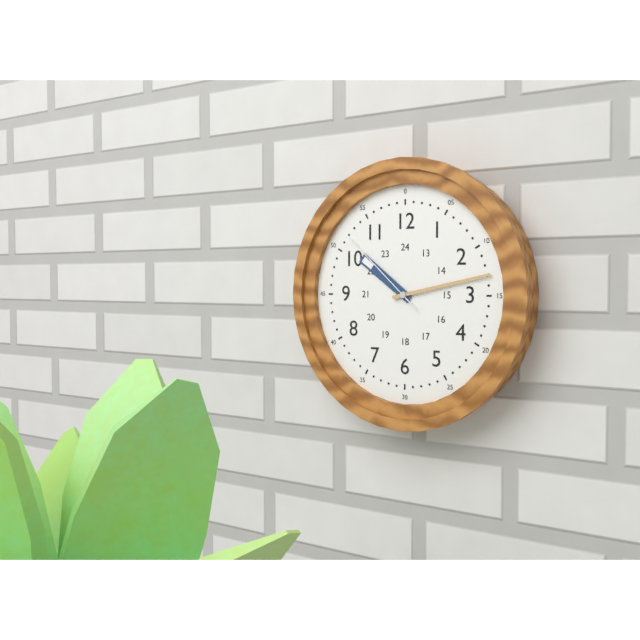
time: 10:13:52
